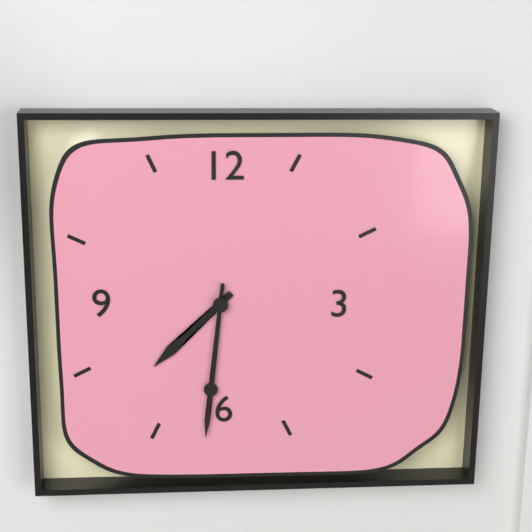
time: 7:31
